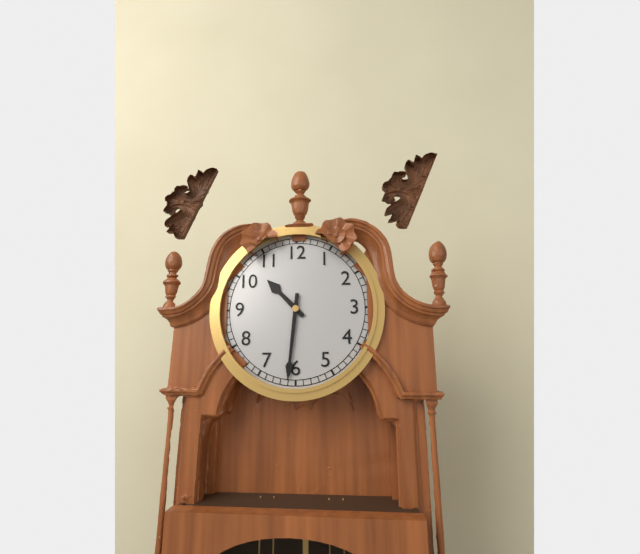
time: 10:31
